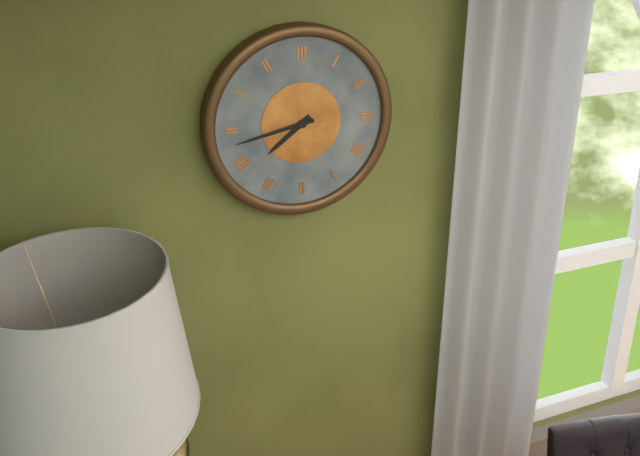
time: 7:43
